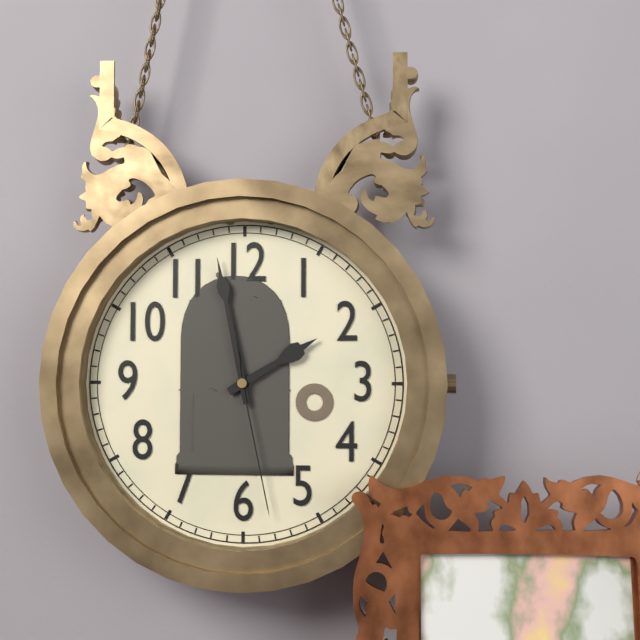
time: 1:58:28
